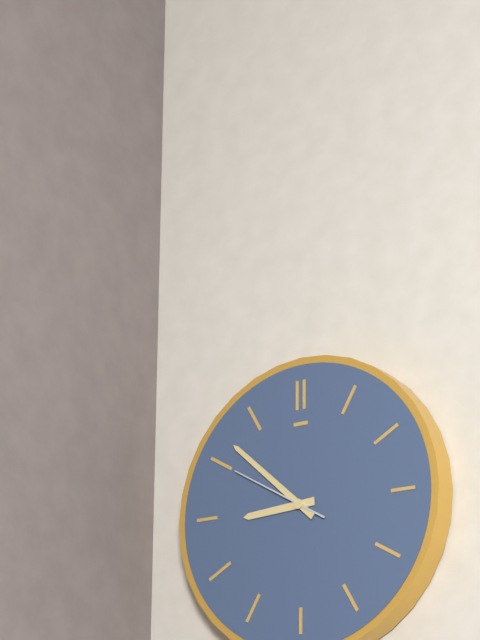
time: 8:52:50
